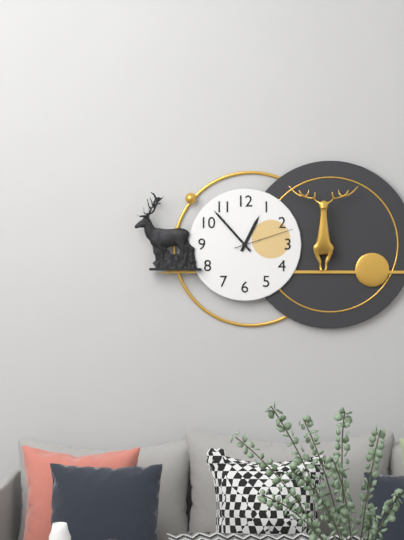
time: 12:53:12
